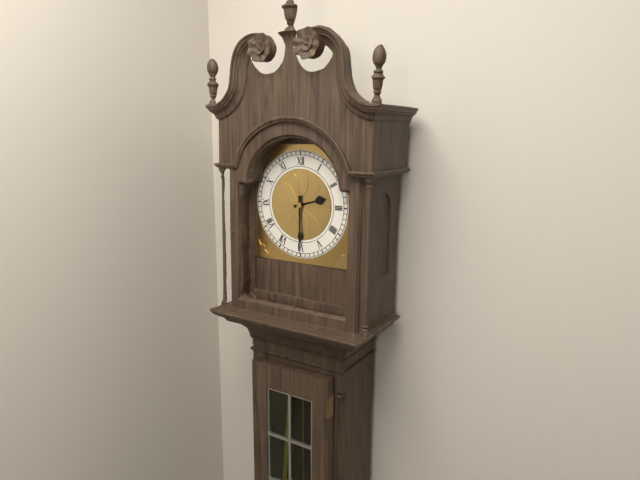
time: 2:30
